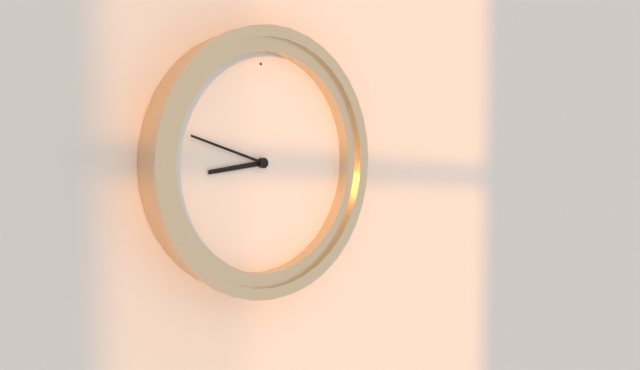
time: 8:48
